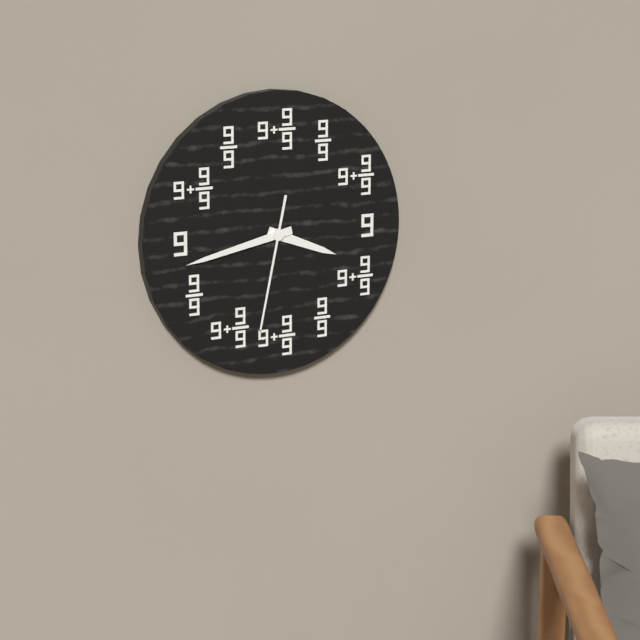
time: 3:43:32
